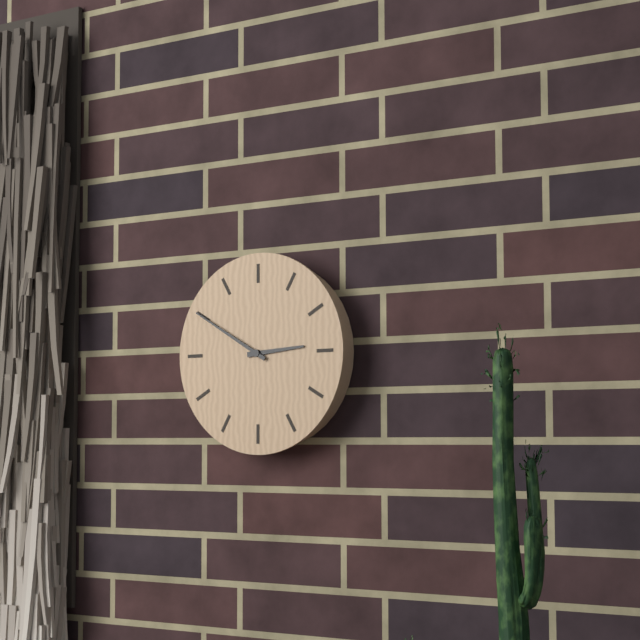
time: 2:50
